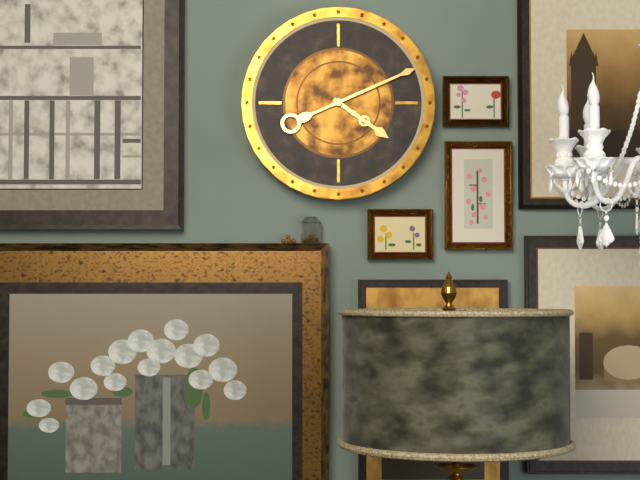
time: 4:11
